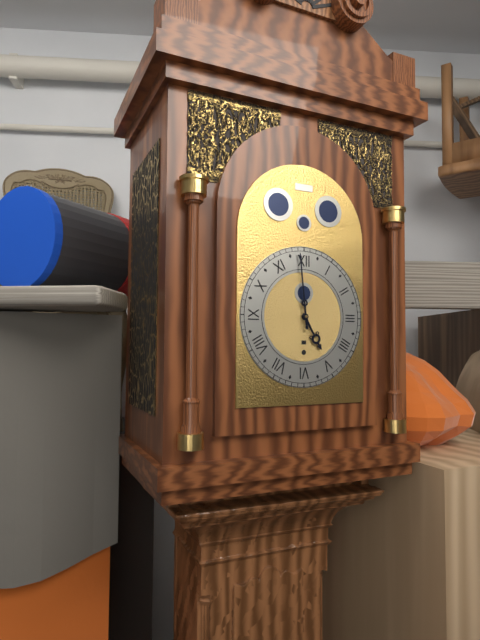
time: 4:59
